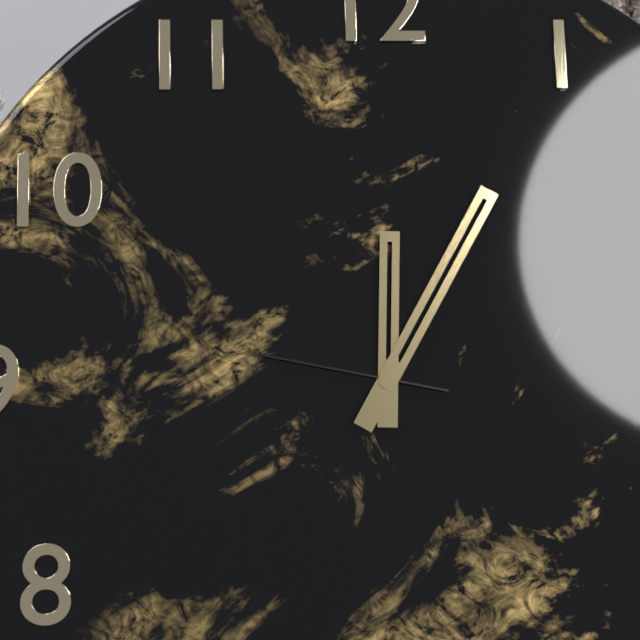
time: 12:05:47
